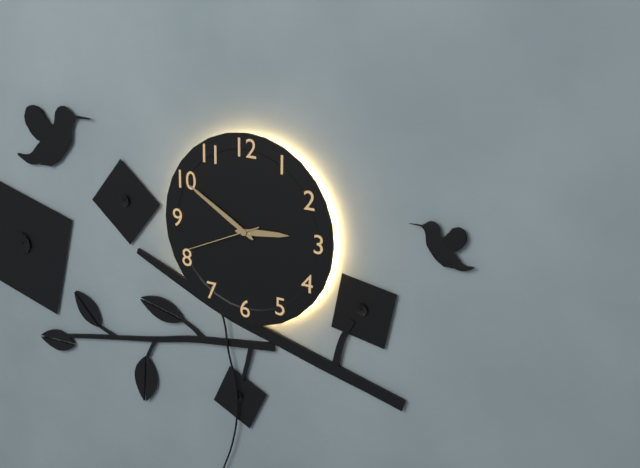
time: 2:50:41
